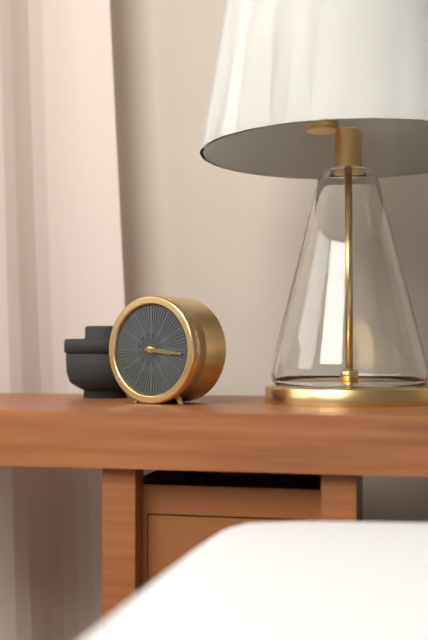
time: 3:16
